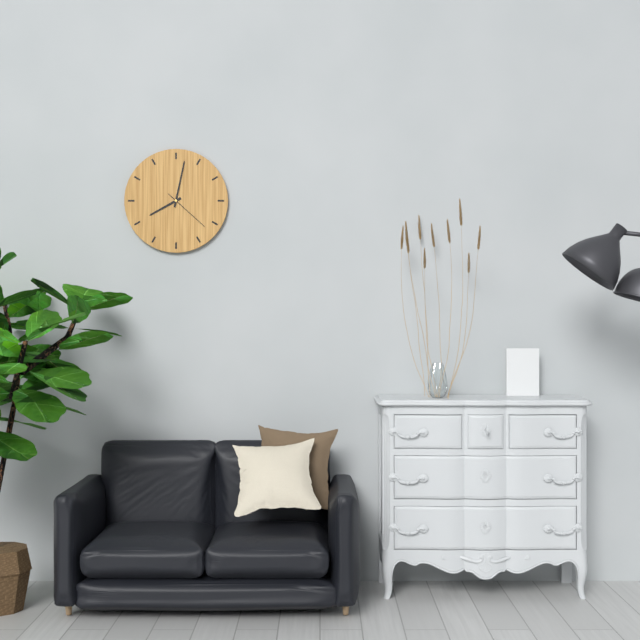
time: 8:02
